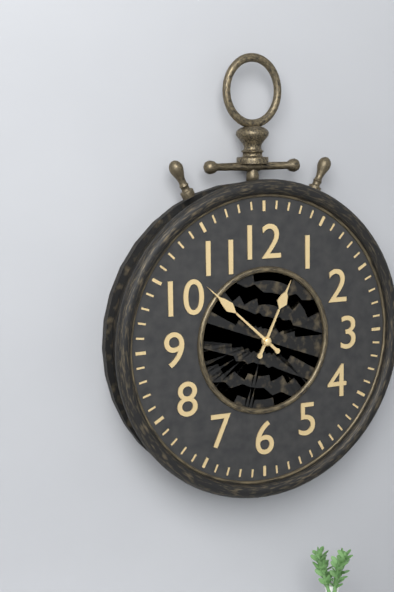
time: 12:52
